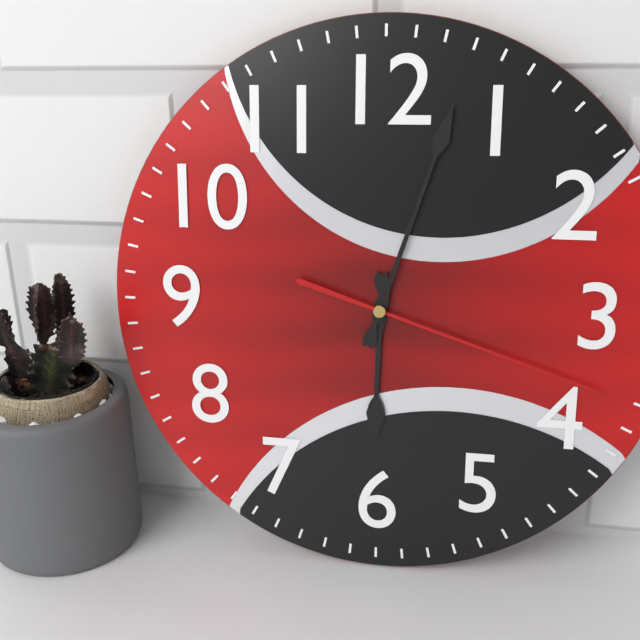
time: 6:03:18
